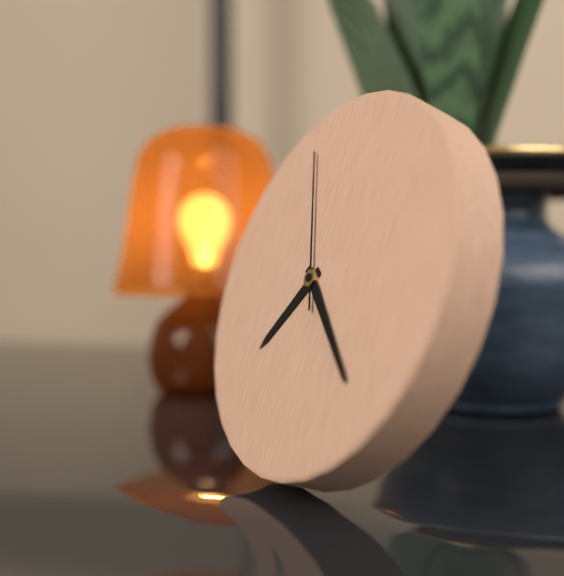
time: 7:22:56
